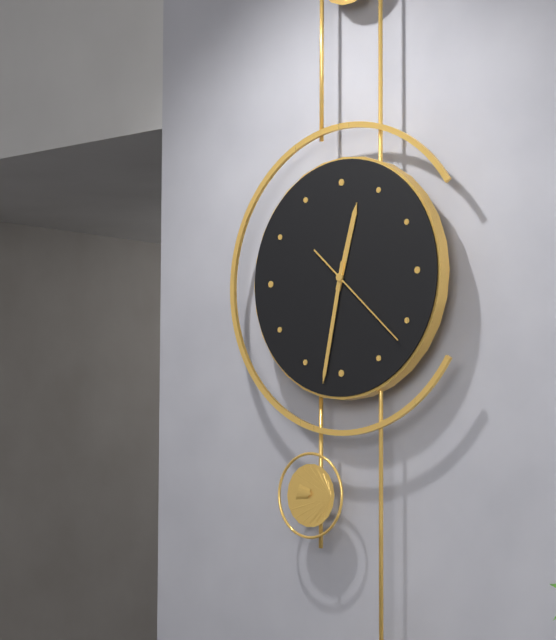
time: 12:32:22
